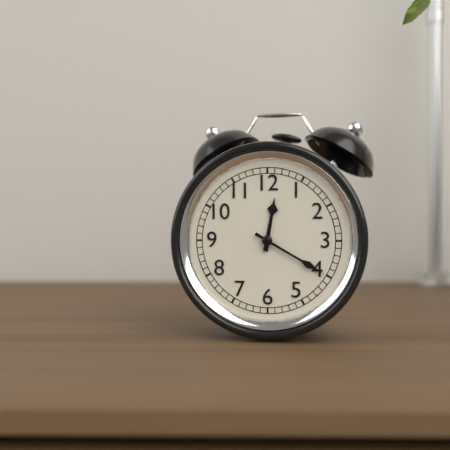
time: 12:20
